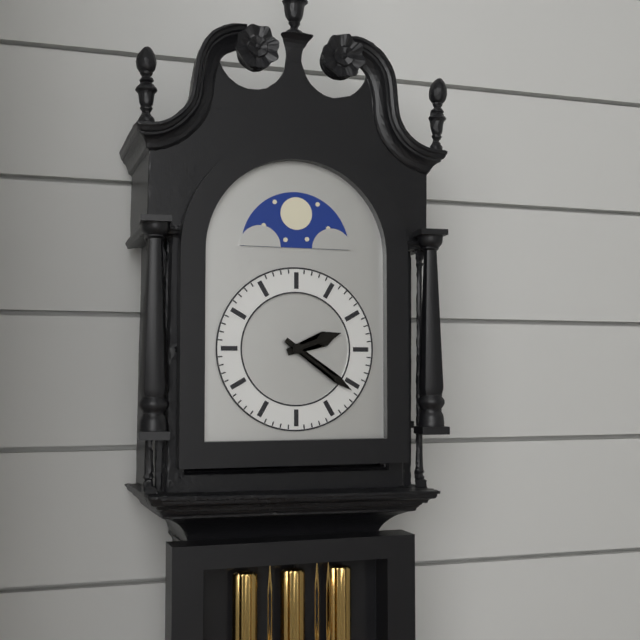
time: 2:21
